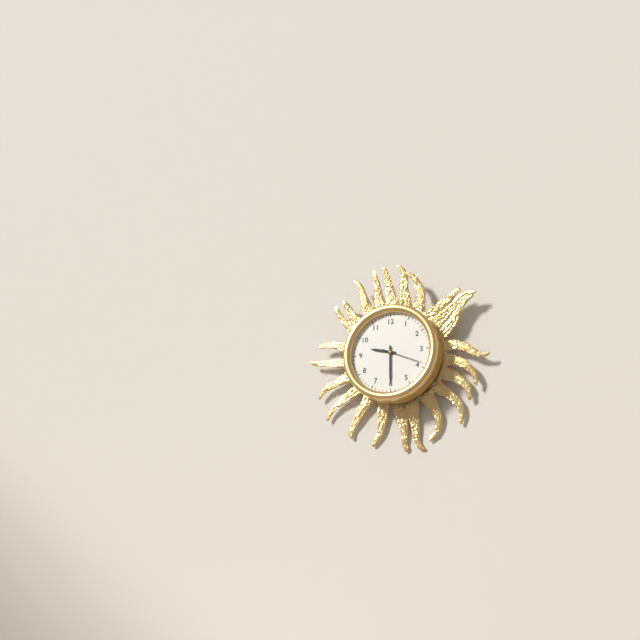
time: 9:30
